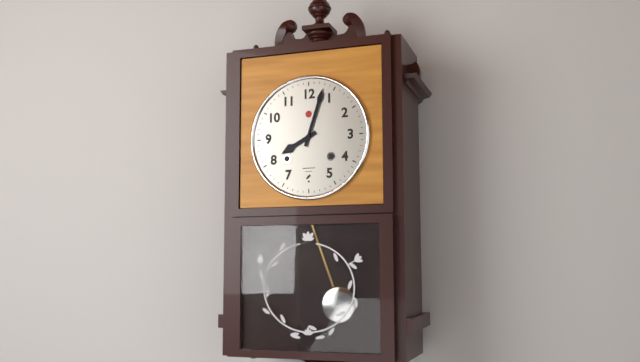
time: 8:03
